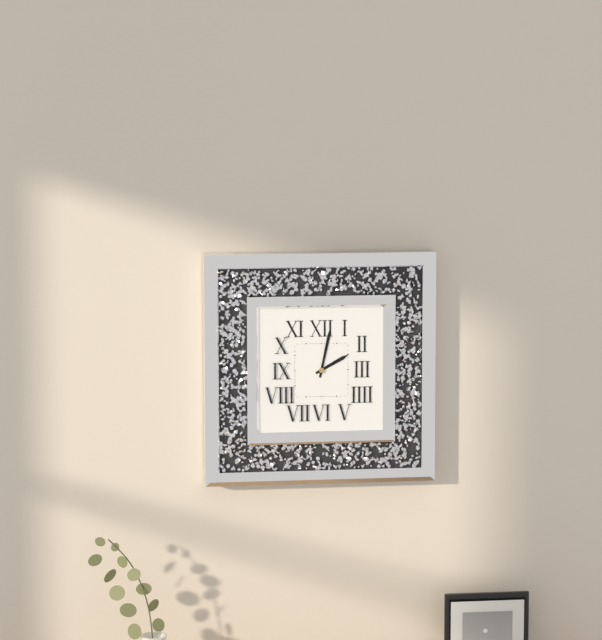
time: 2:02
